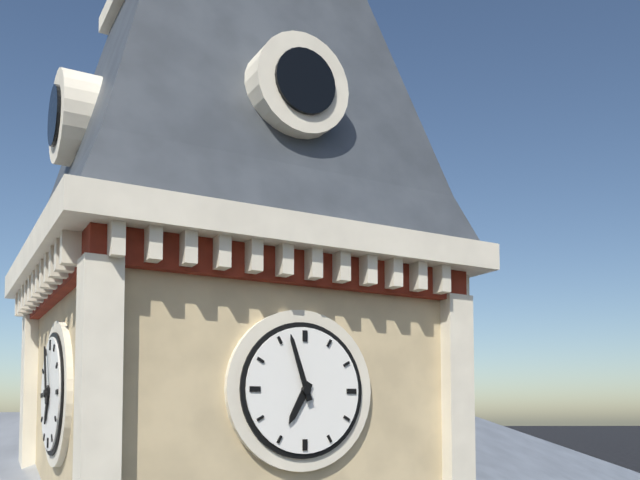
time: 6:57
